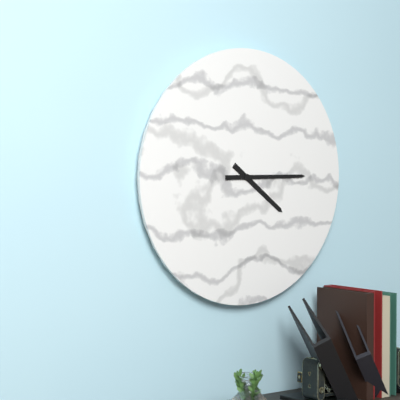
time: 4:15
